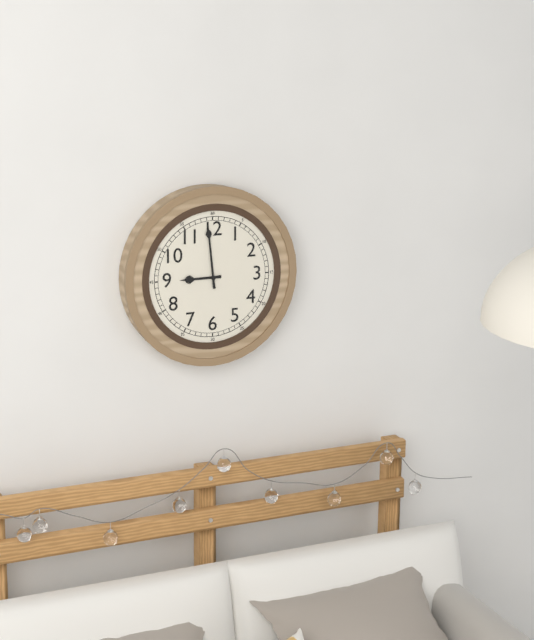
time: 8:59
